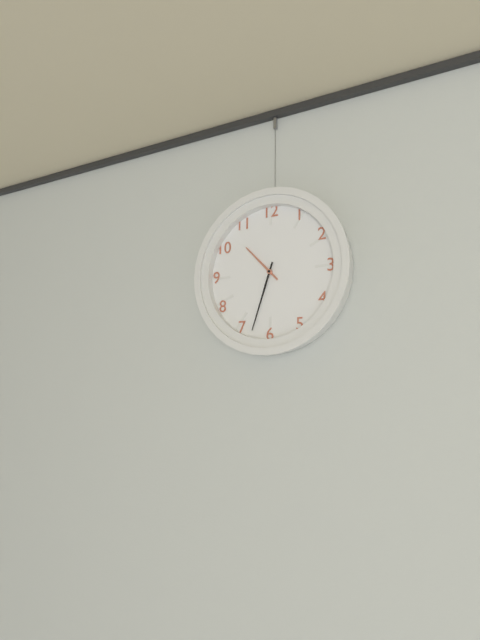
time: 10:33
